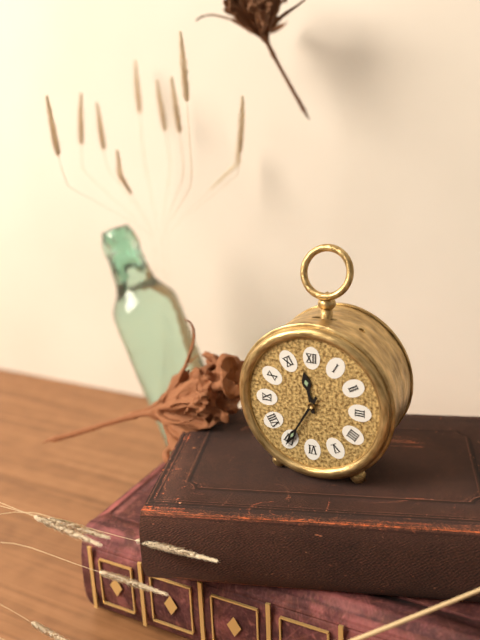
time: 11:35
